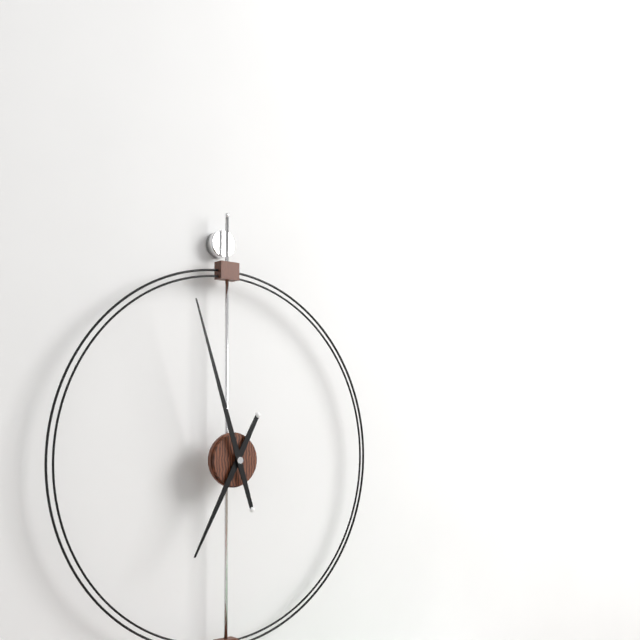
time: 6:57
